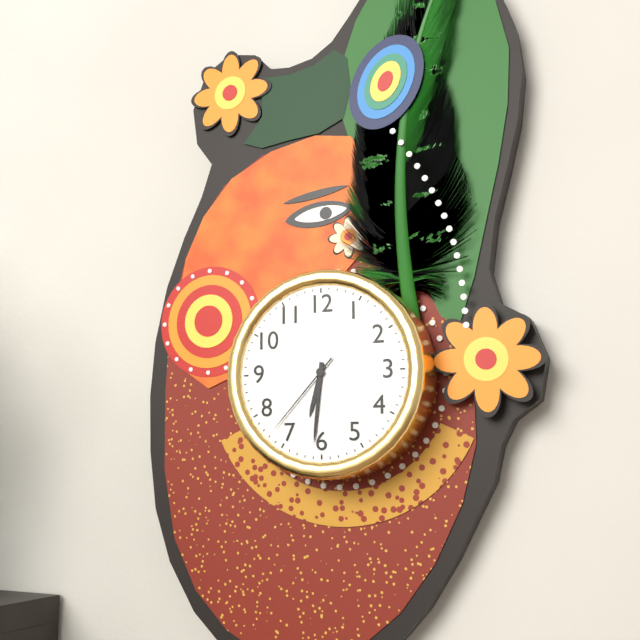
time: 6:31:37
